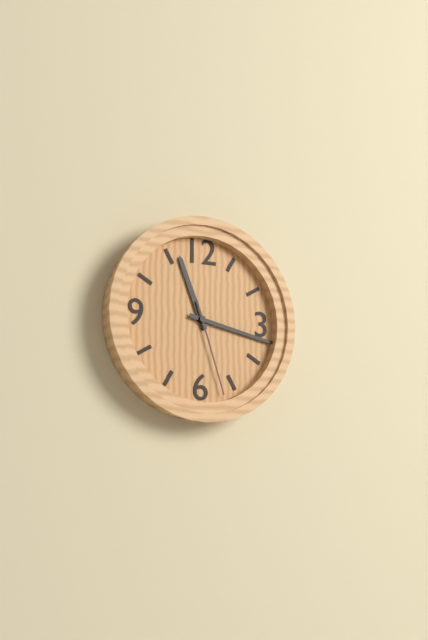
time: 11:17:27
